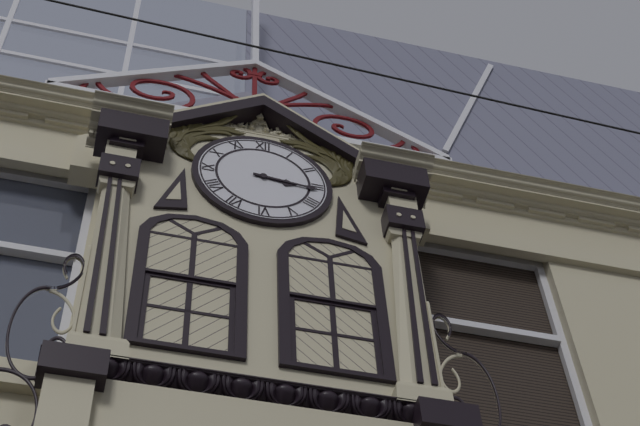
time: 3:16
